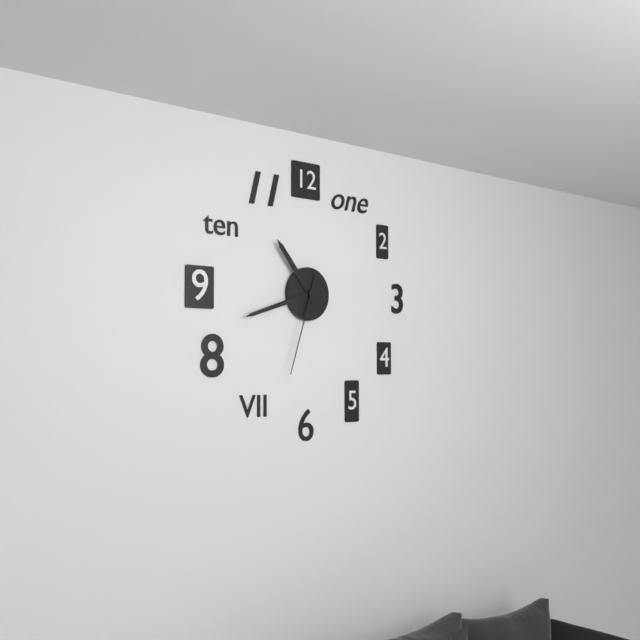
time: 10:42:33
